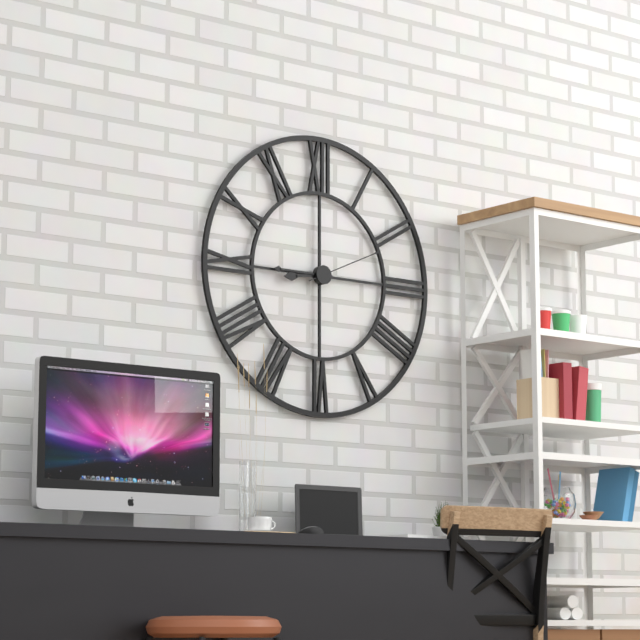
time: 8:45:11
